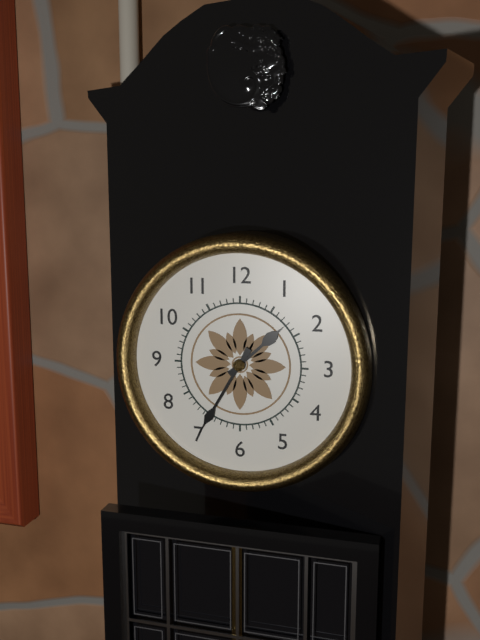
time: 1:35
